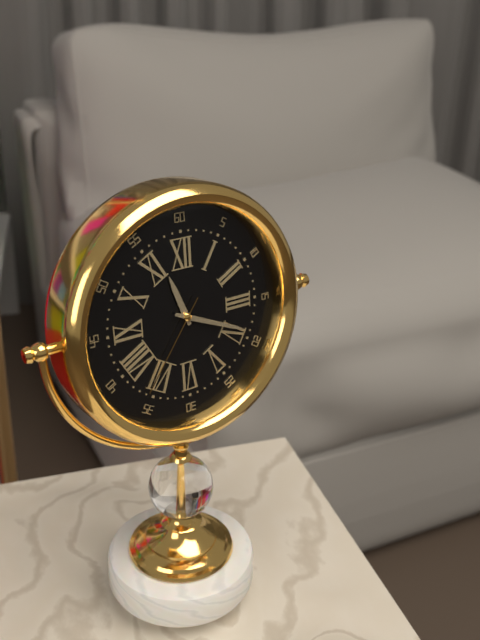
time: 11:19:36
